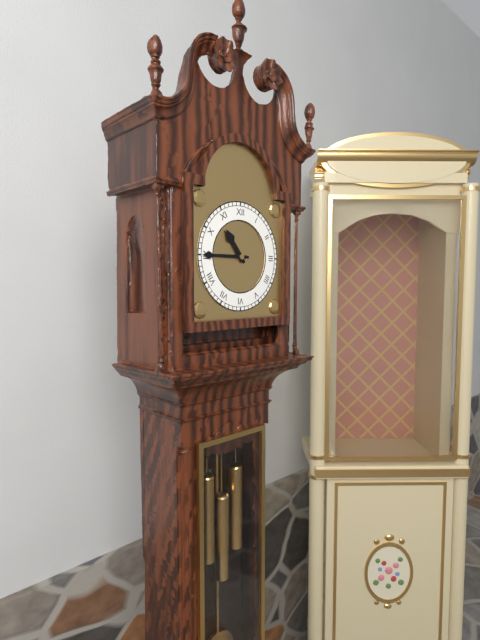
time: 10:45
